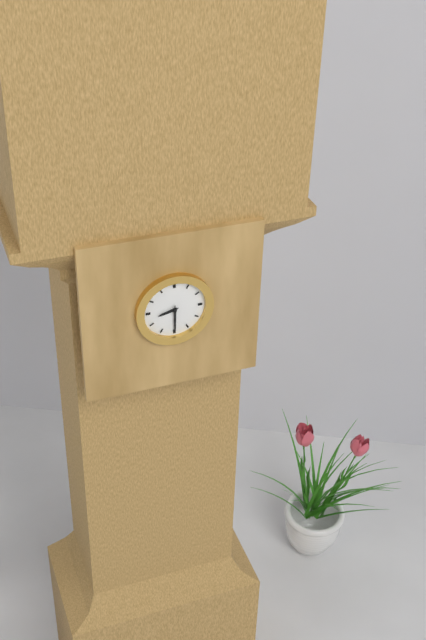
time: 8:30
